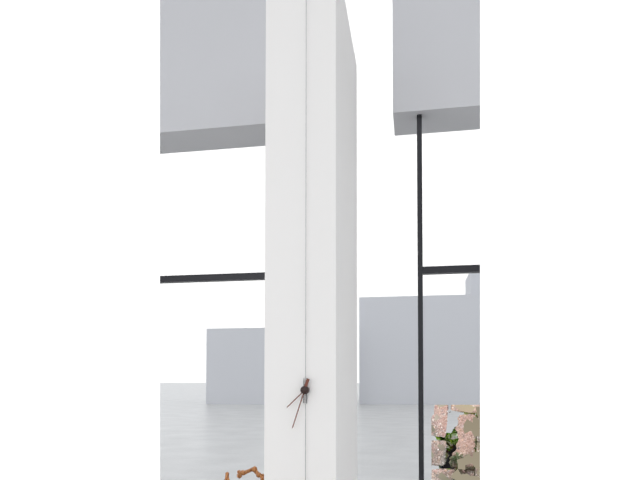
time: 7:33
